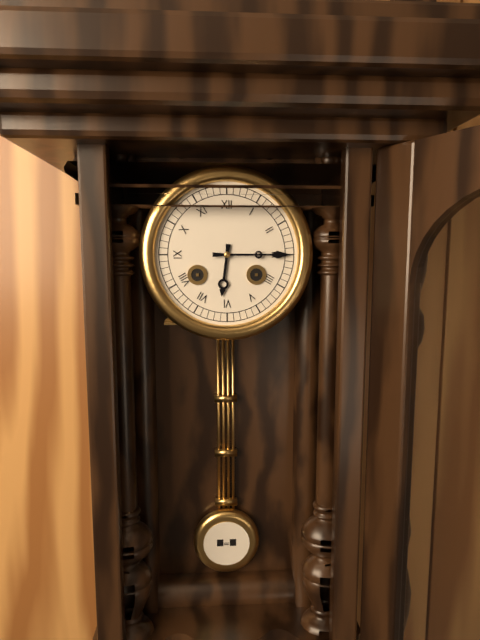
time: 6:15
